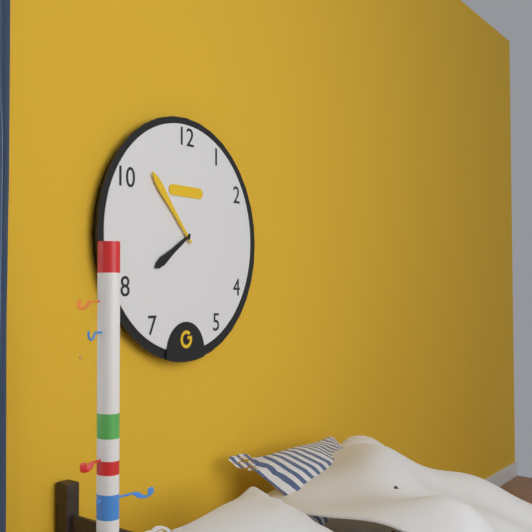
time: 7:53
